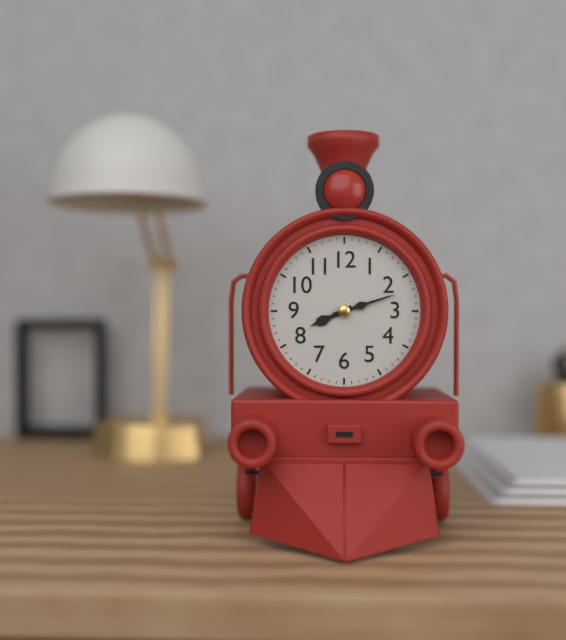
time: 8:12
